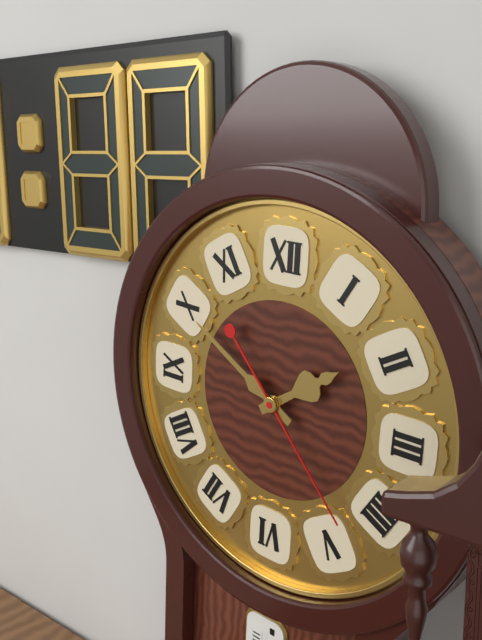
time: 1:50:23
